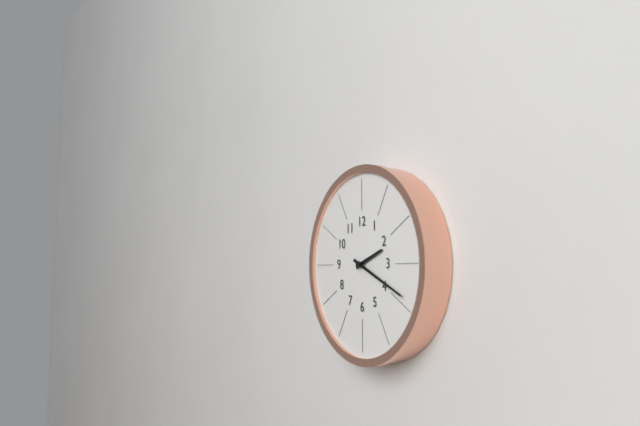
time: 2:19
